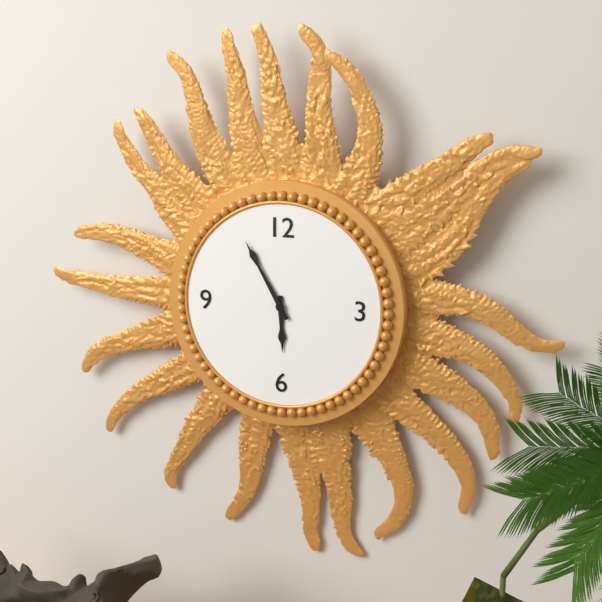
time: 5:55
